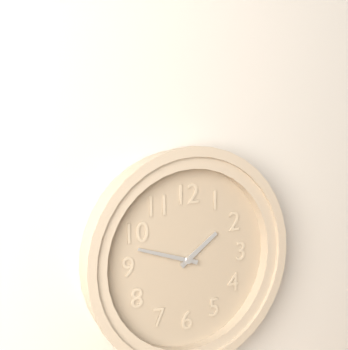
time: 1:48
